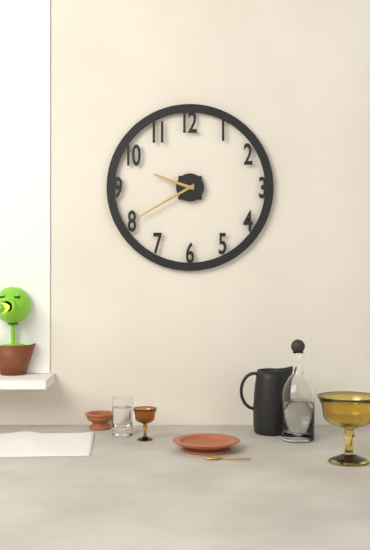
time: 9:40
